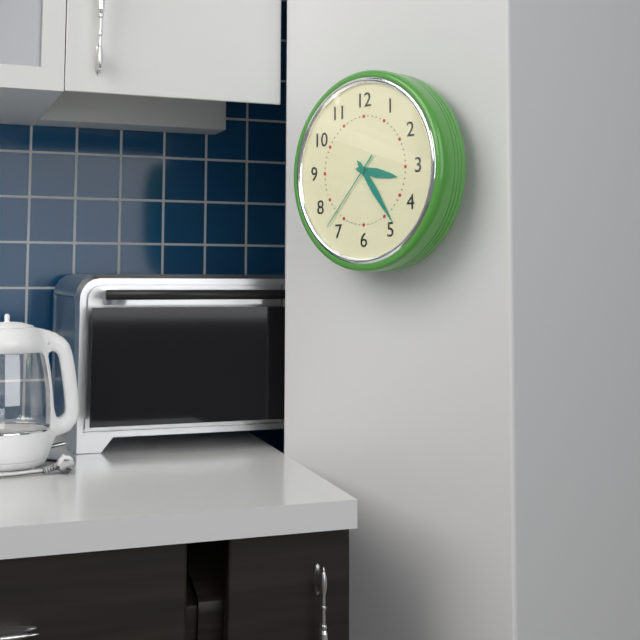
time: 3:24:37
